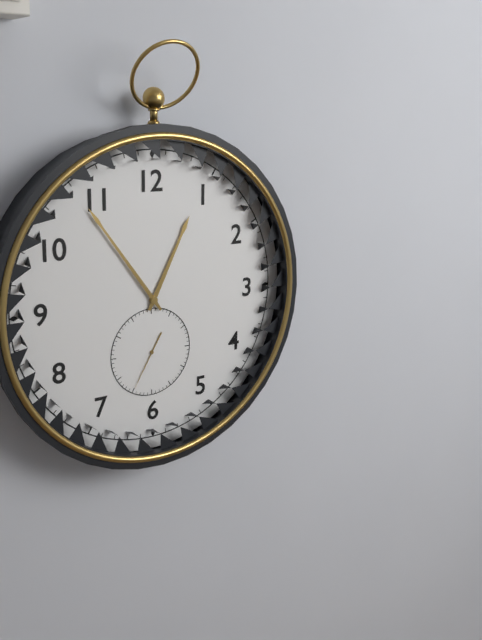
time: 12:54:35
